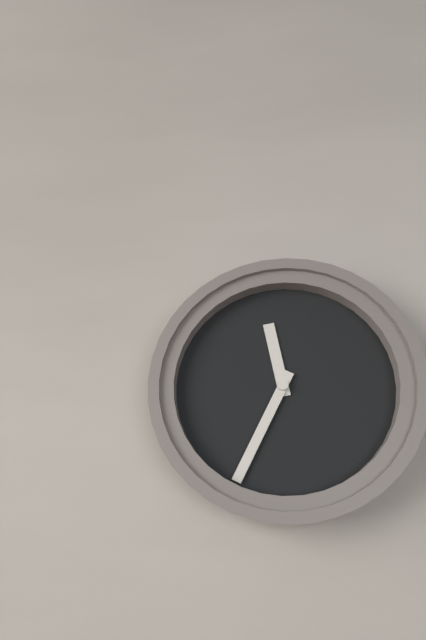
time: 11:34
